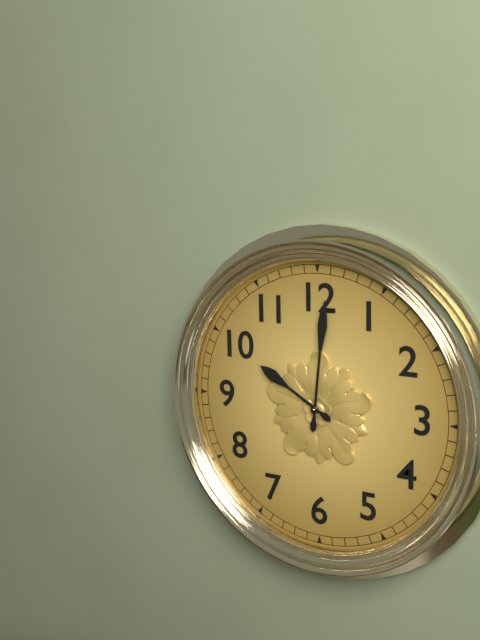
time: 10:01
